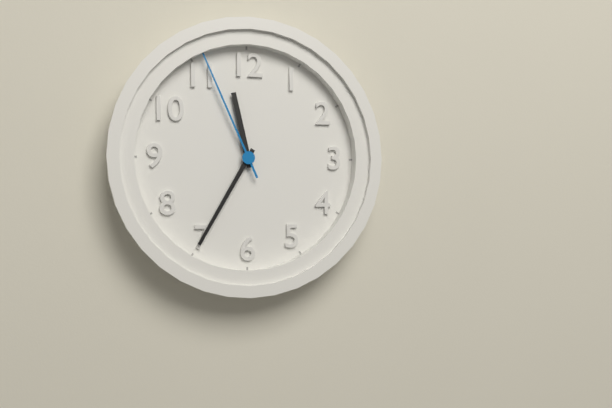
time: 11:35:56
